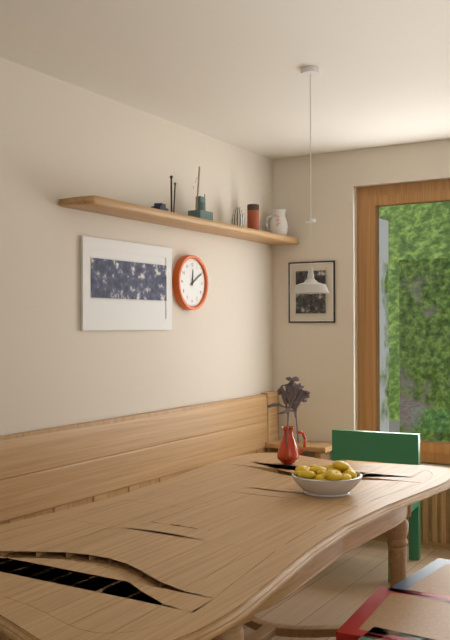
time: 12:10
